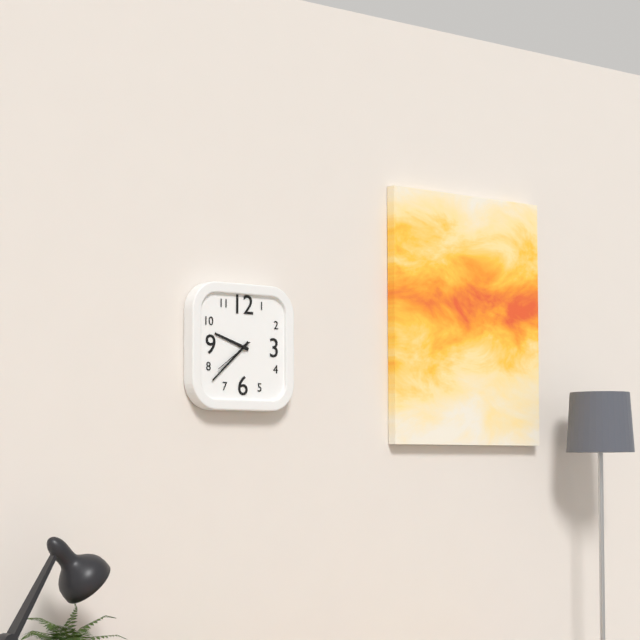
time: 9:38
